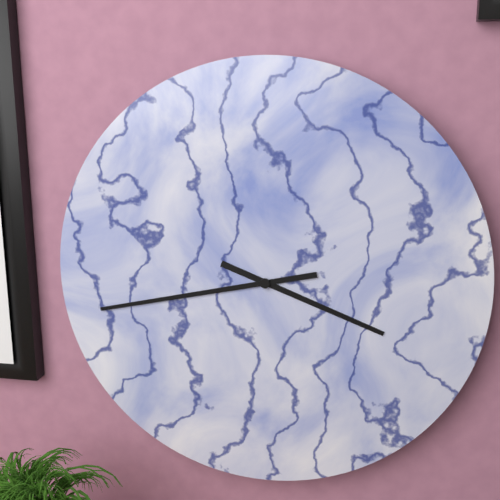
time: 3:43
